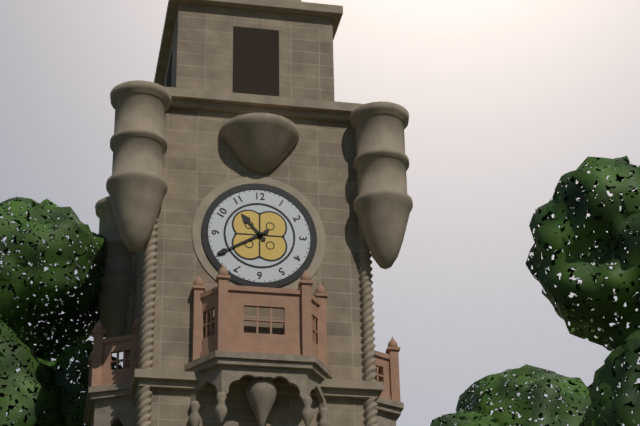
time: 10:40
